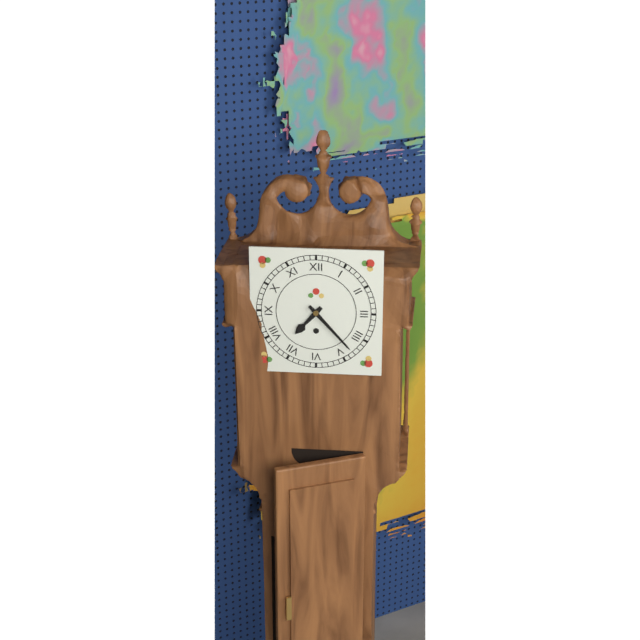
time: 7:23
